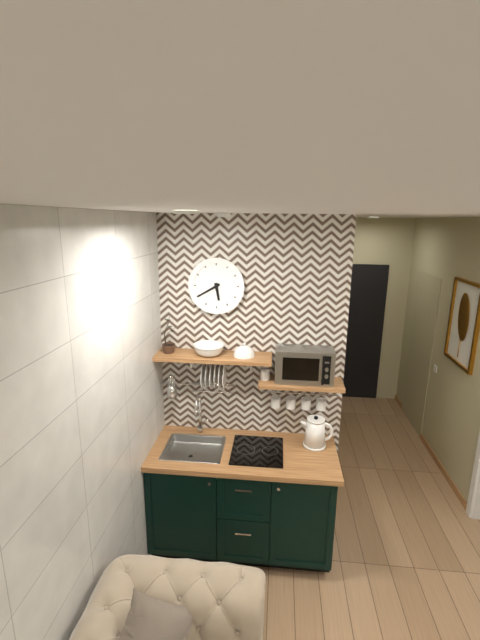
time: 5:40
